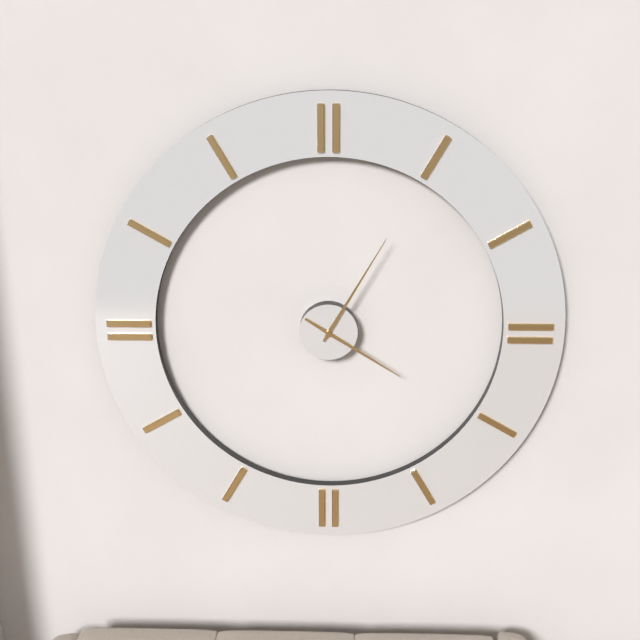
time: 4:05
